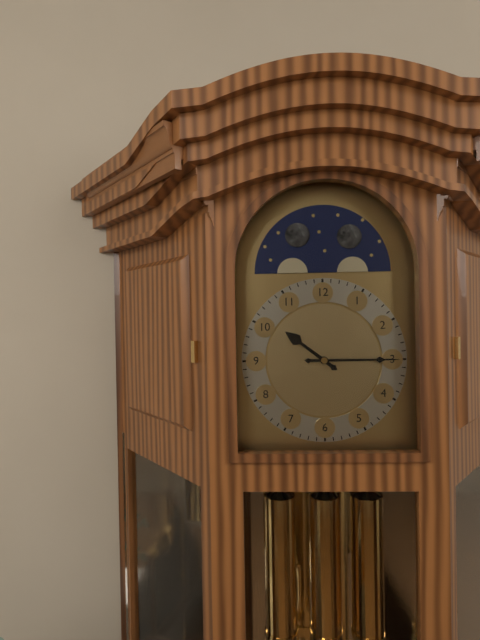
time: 10:15
